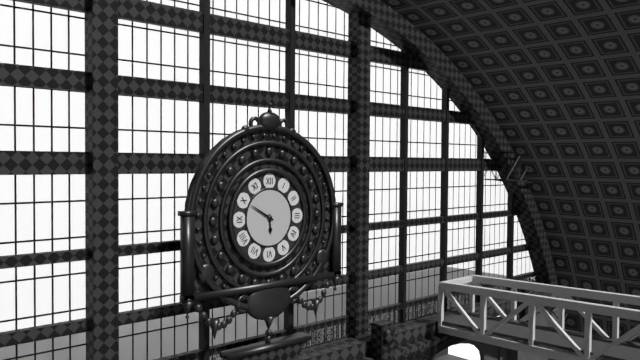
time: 5:50
